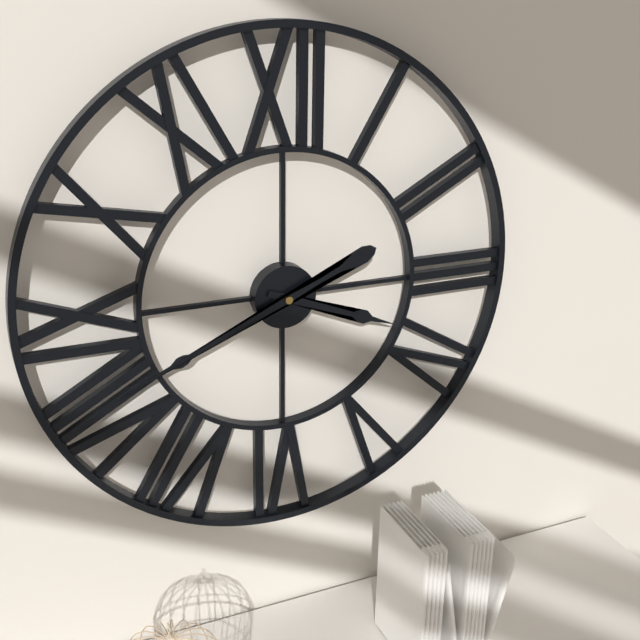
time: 3:41
